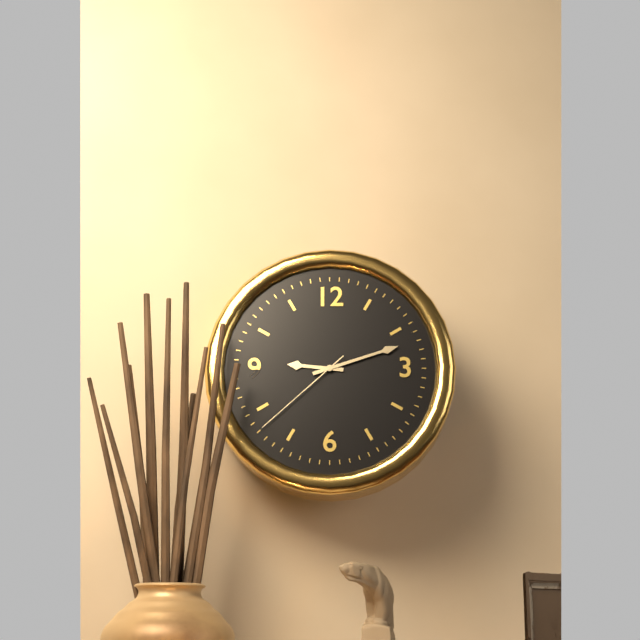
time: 9:12:38
